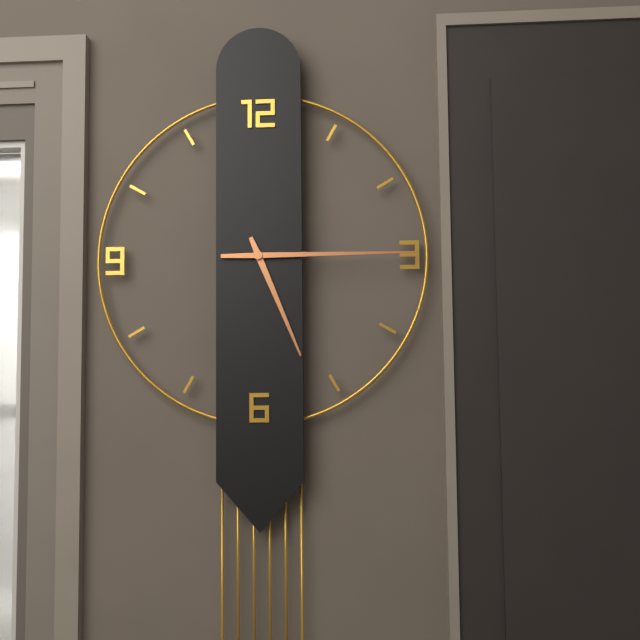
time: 5:15
